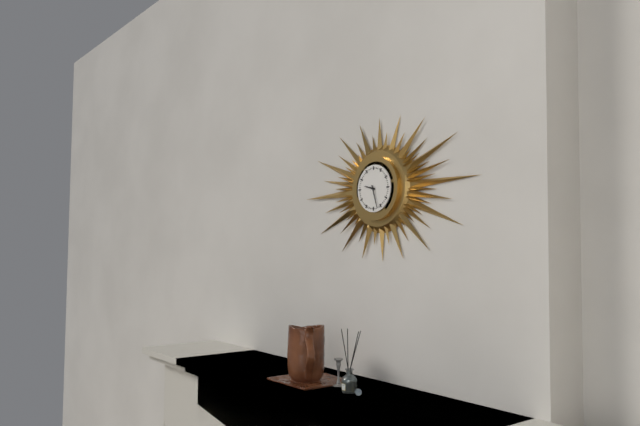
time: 9:27
